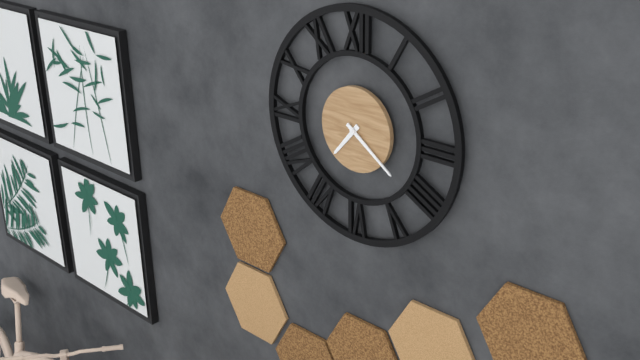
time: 7:21
